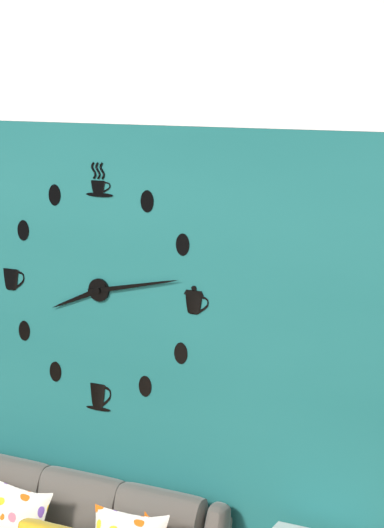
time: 8:13
